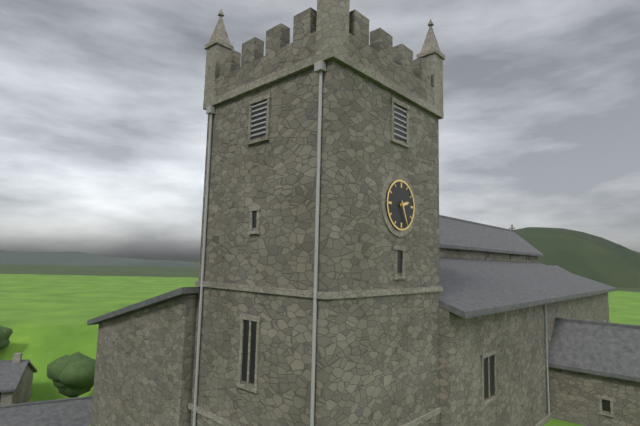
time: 2:26
